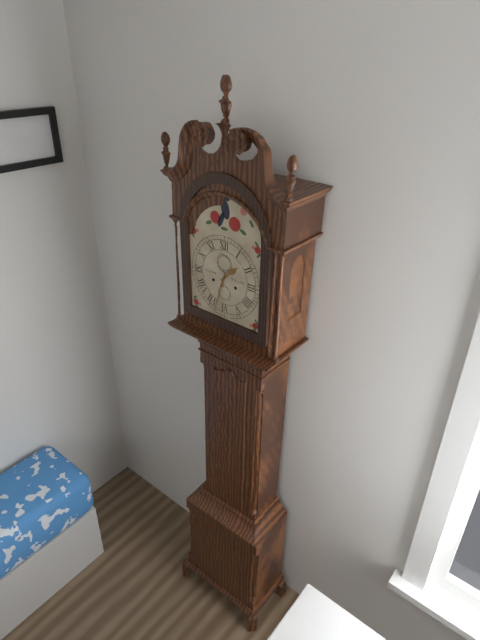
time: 1:33
